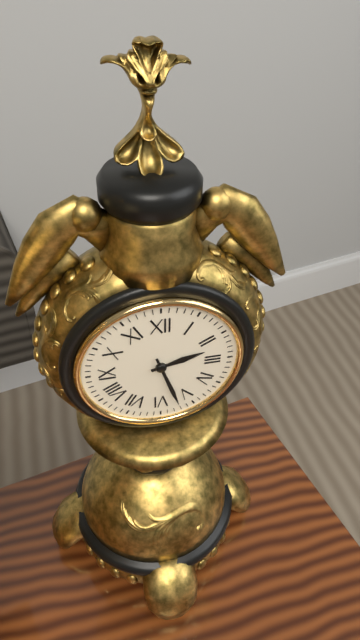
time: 2:27
